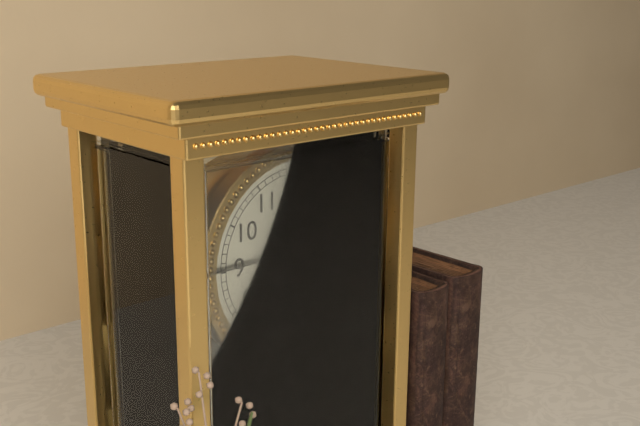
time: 5:03
